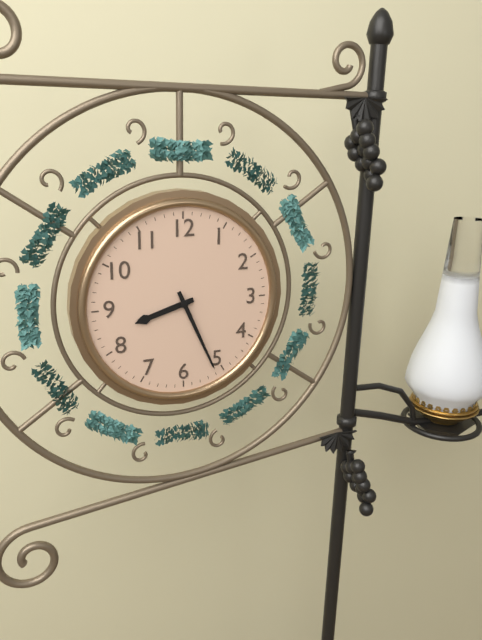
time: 8:26
